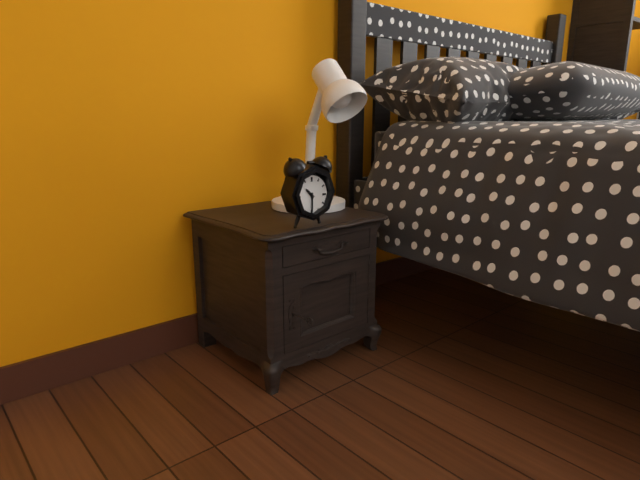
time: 10:30
